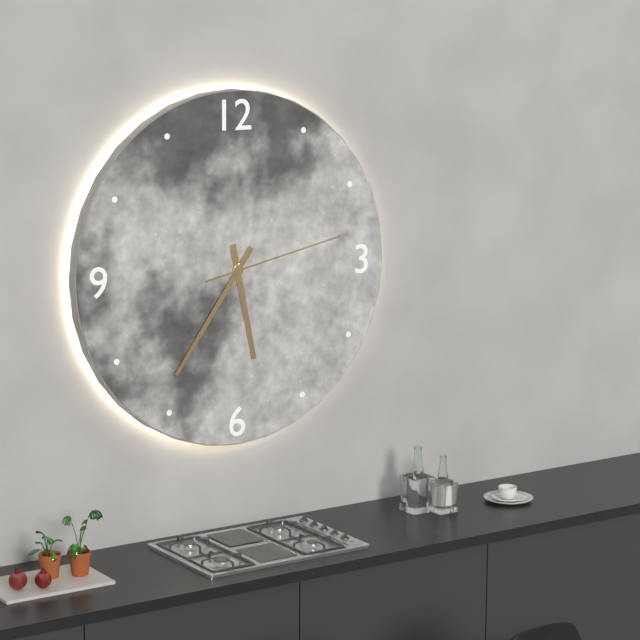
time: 5:36:13
